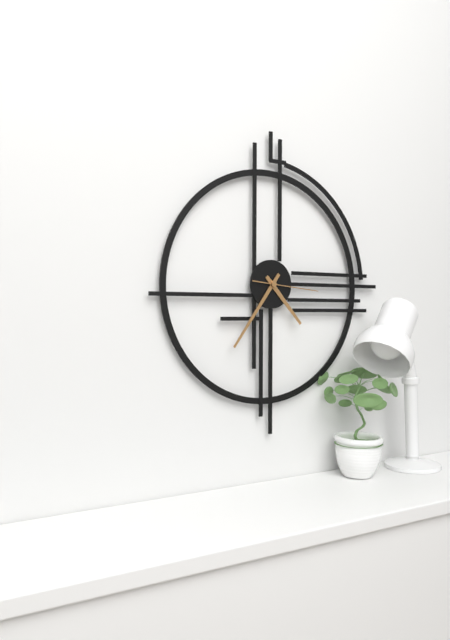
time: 4:36:16
